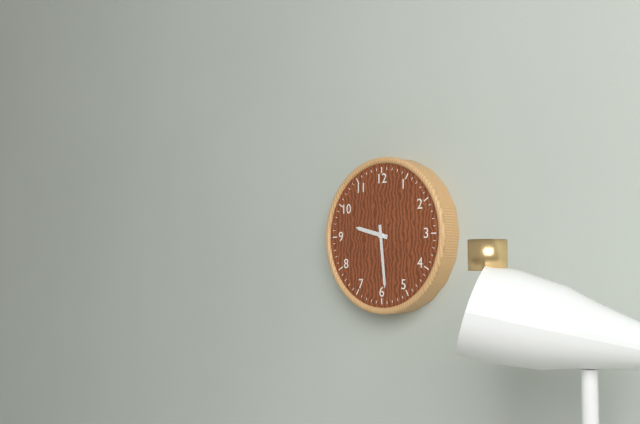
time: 9:29
